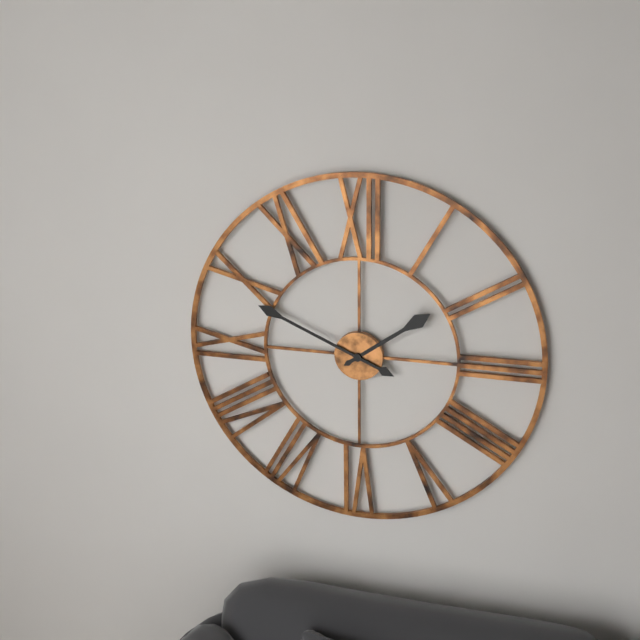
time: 1:49
